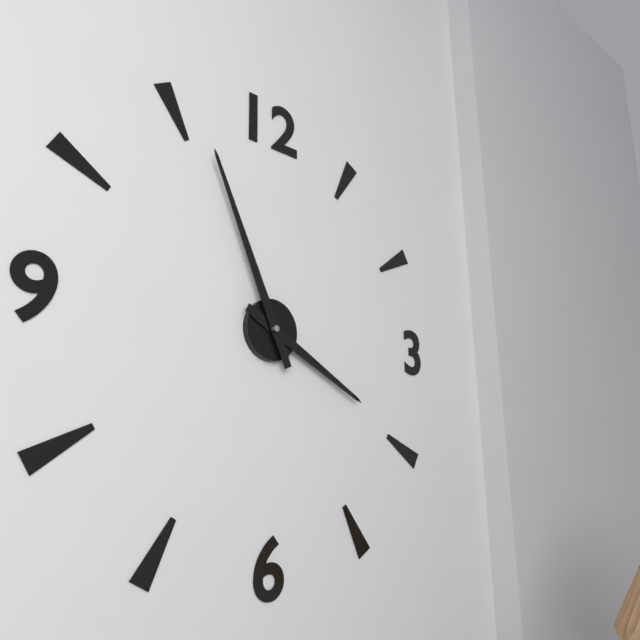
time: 3:56
